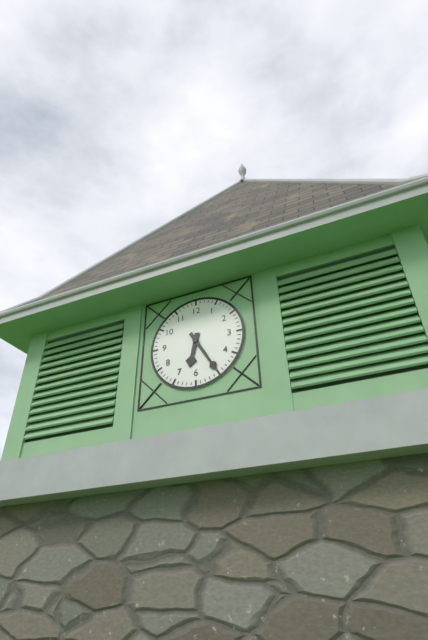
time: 6:25
